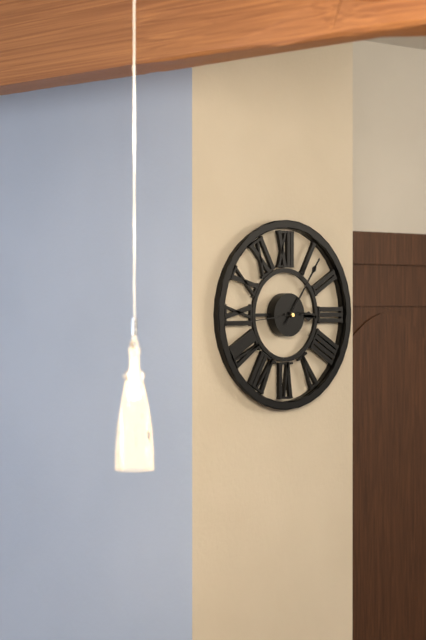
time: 3:06:44
